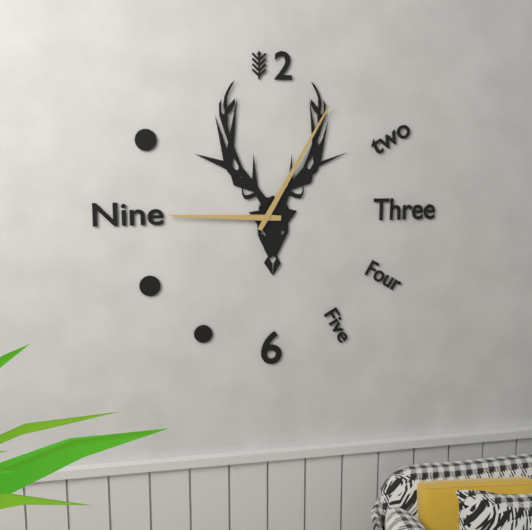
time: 9:05
